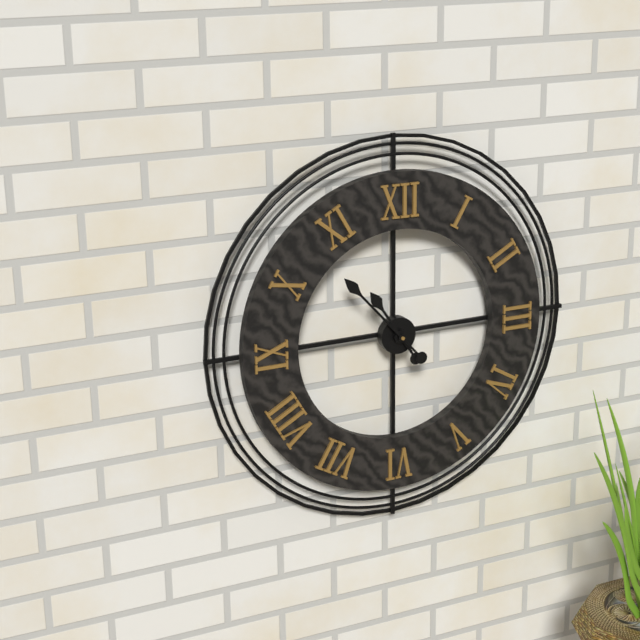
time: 10:53
